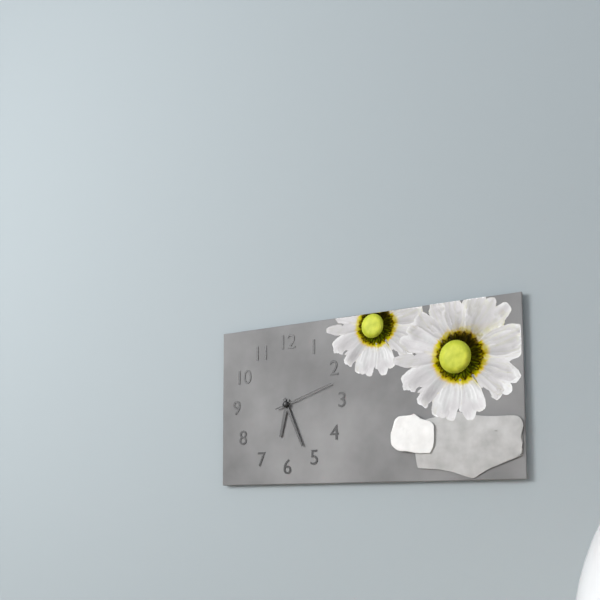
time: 6:26:12
